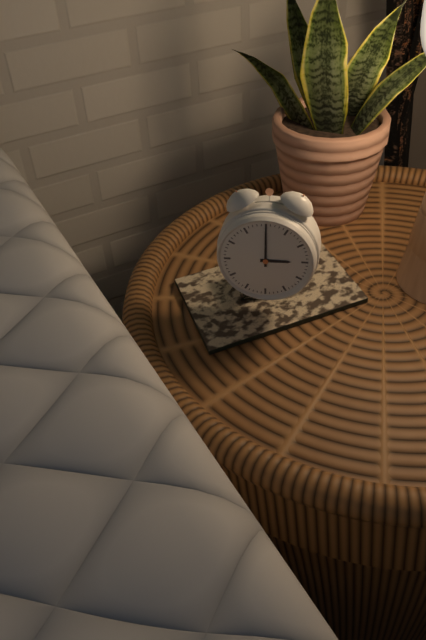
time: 3:00
